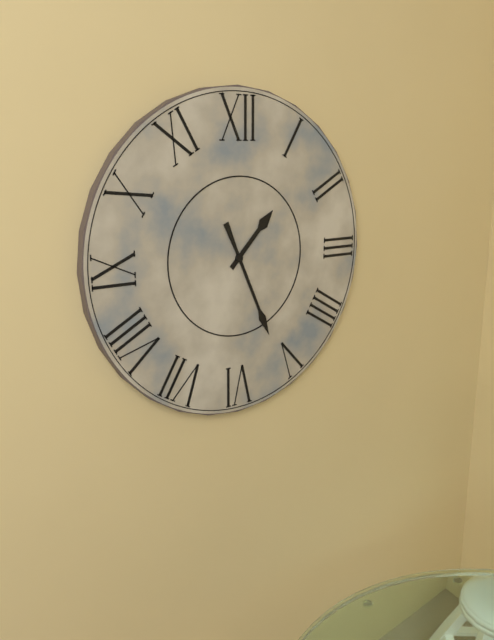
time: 1:26
